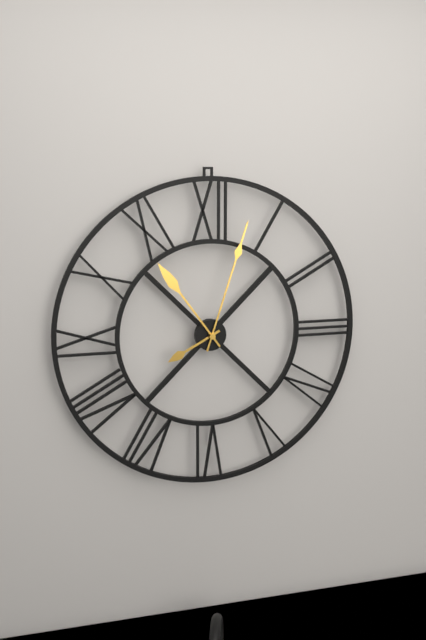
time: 8:03:54
